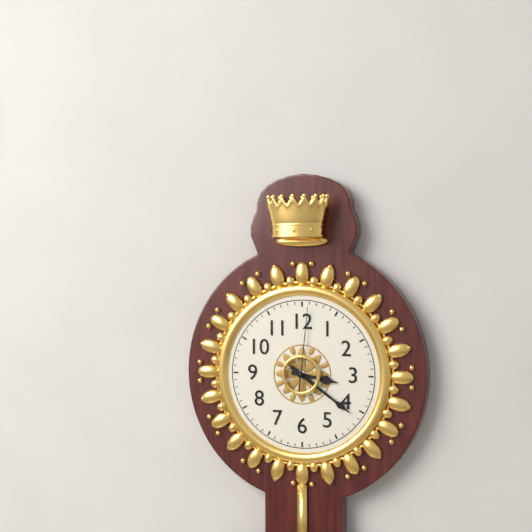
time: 3:21:01
